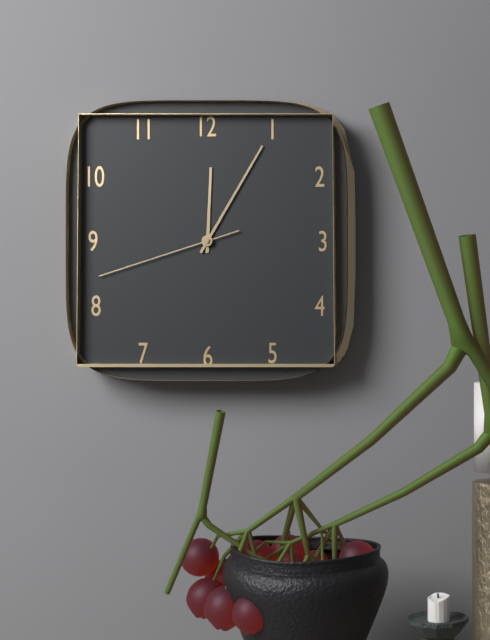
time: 12:05:42
